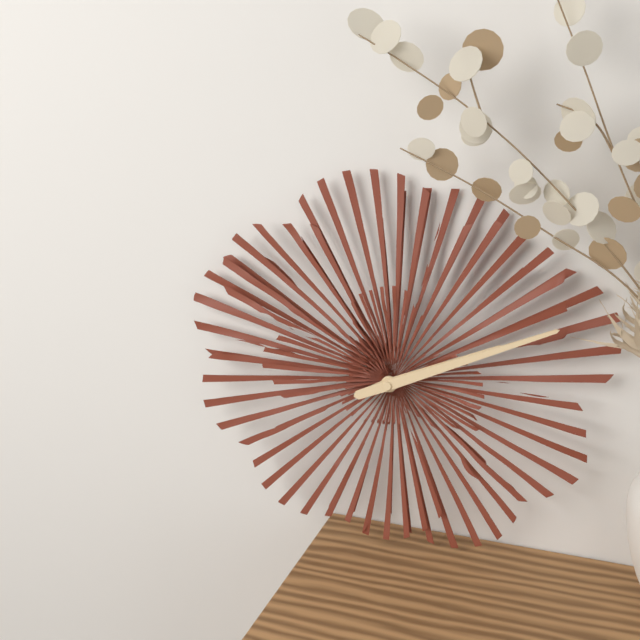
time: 2:11
